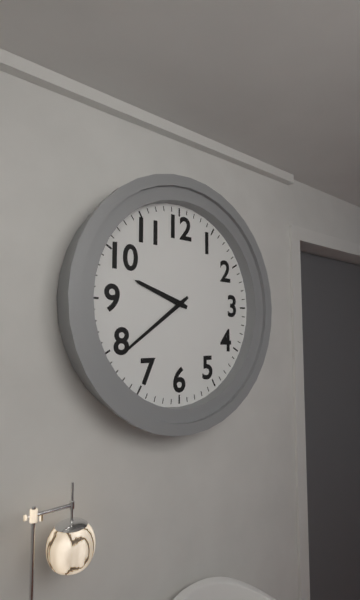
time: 9:39
